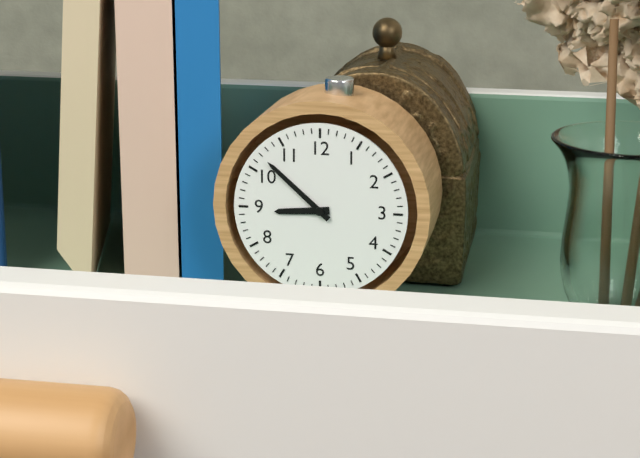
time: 8:52
